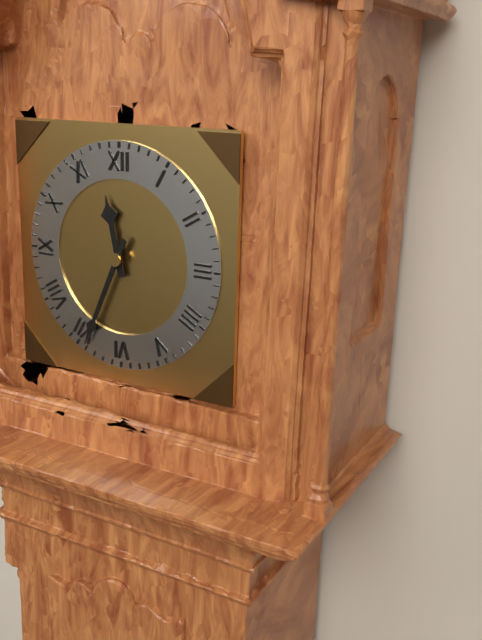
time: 11:34
